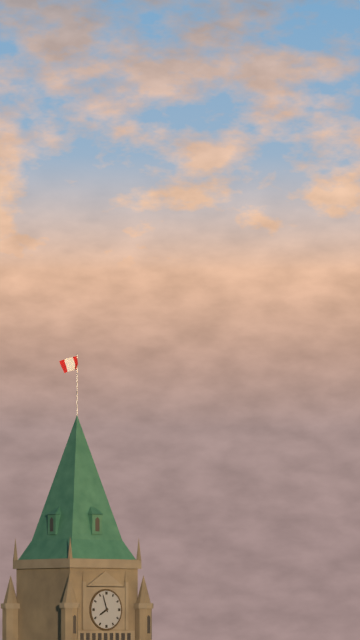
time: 7:57
